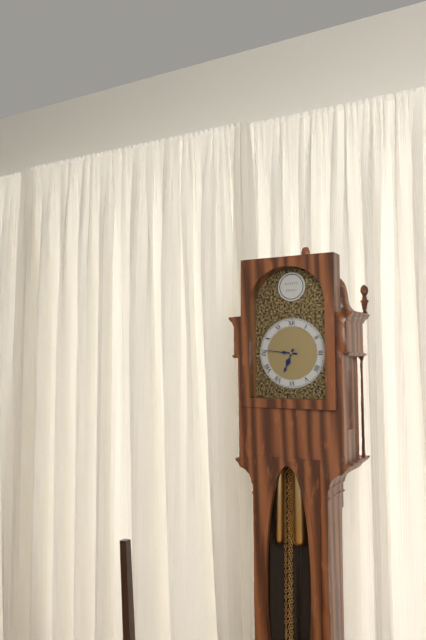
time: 6:46
